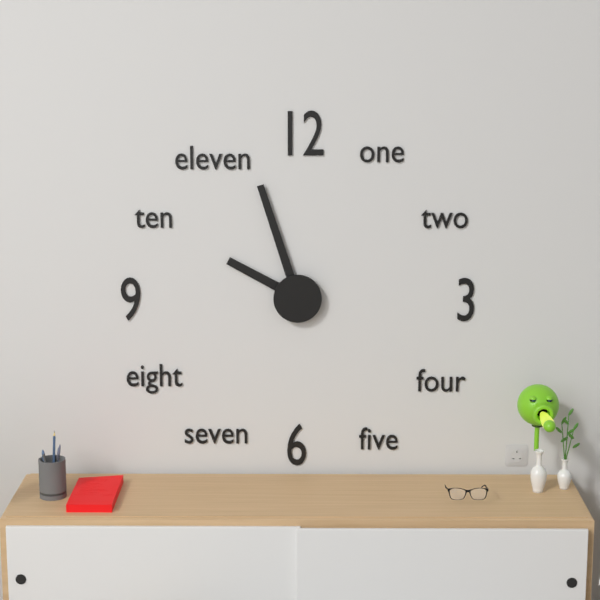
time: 9:57
